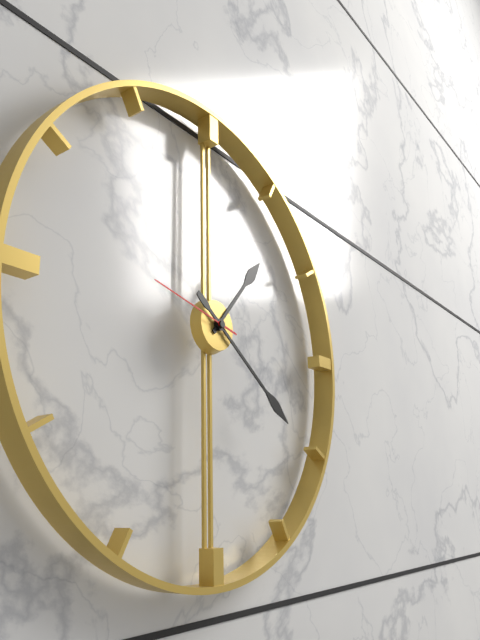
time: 1:21:47
